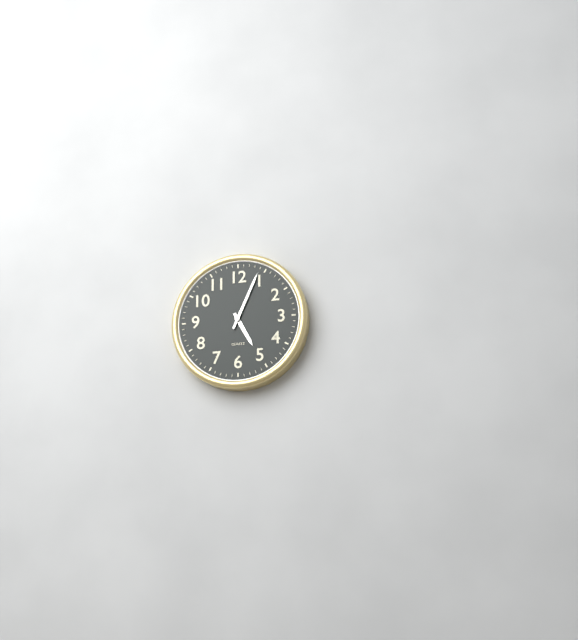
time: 5:04
